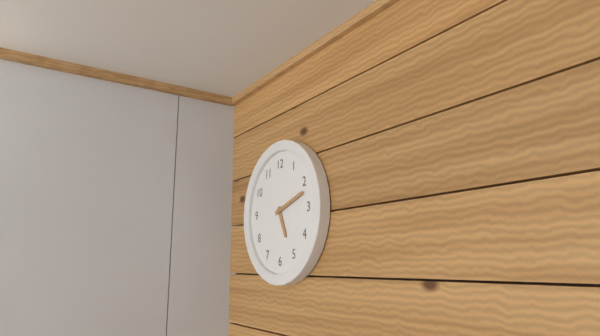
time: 5:12
